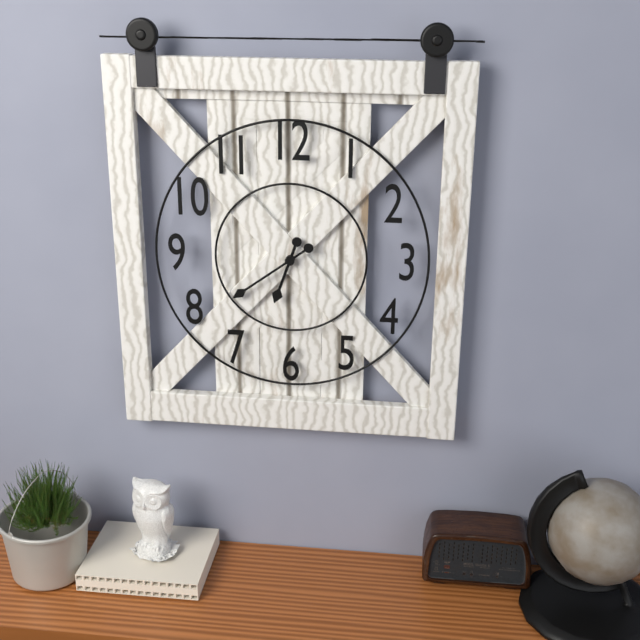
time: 6:39
